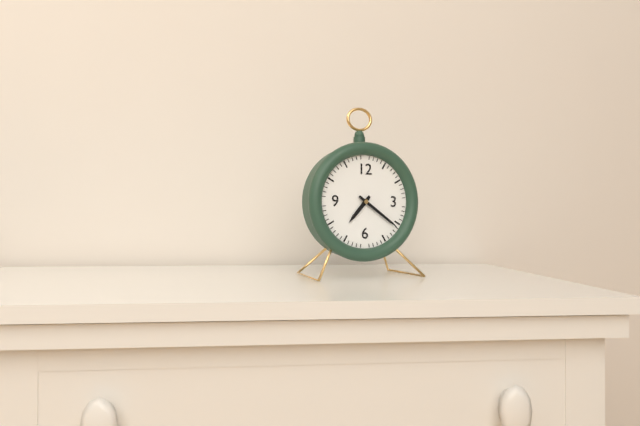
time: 7:21
